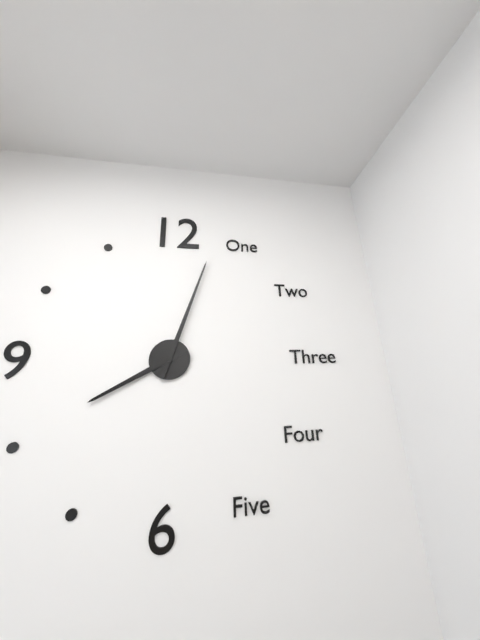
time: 8:03
